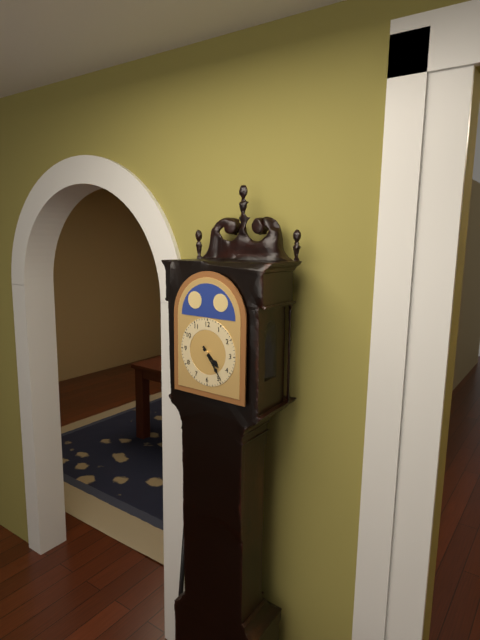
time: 4:24
